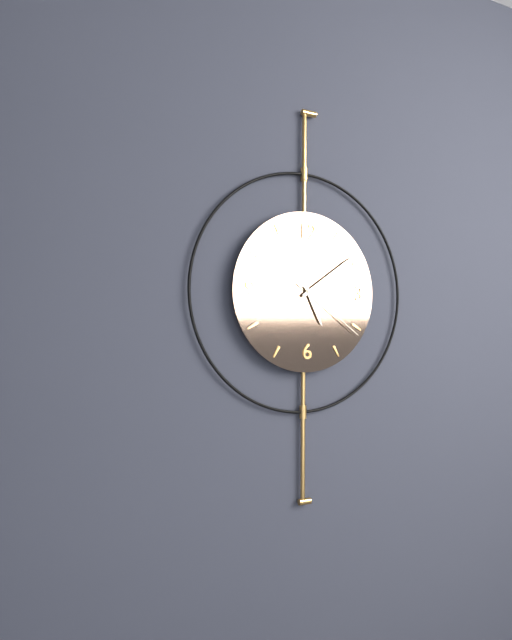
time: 5:09:21
